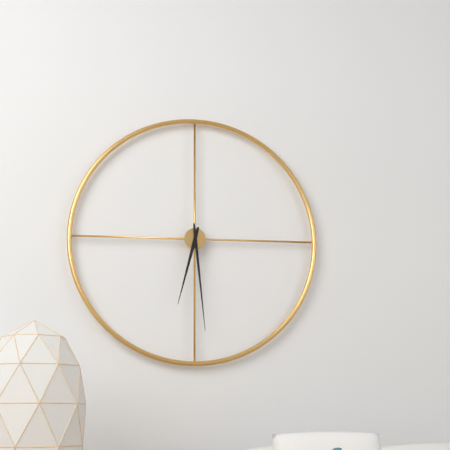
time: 6:29
